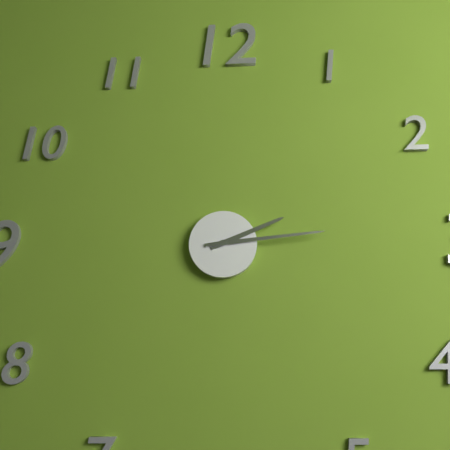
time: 2:14
